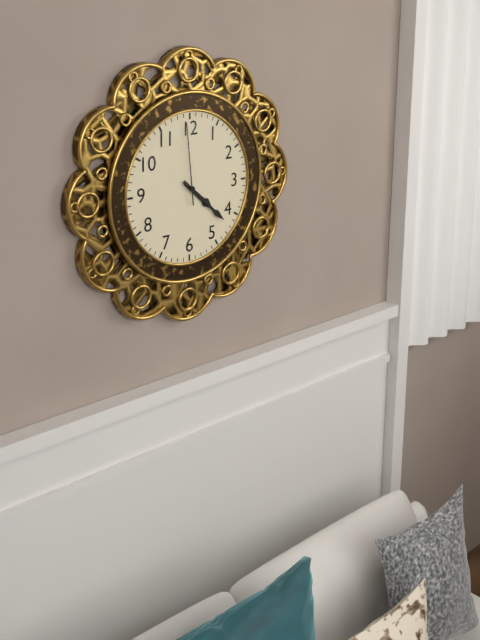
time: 4:22:59
